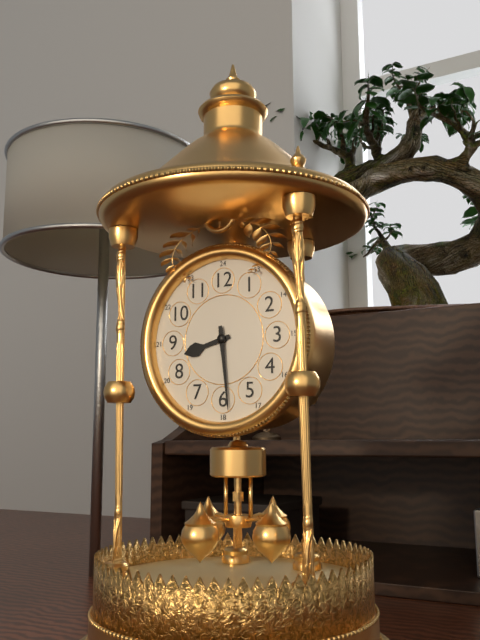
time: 8:29
